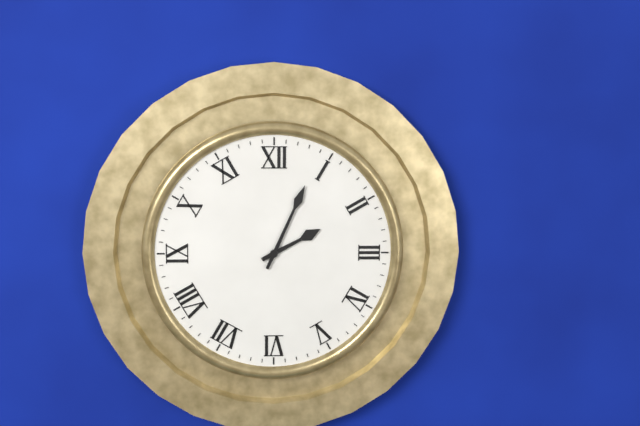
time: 2:04
